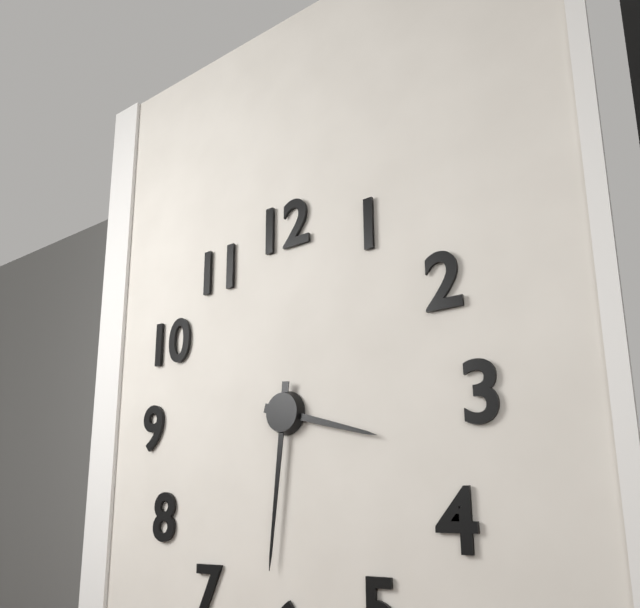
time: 3:31
